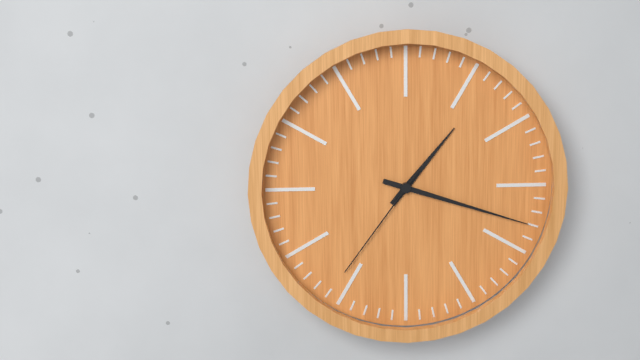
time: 1:18:36
